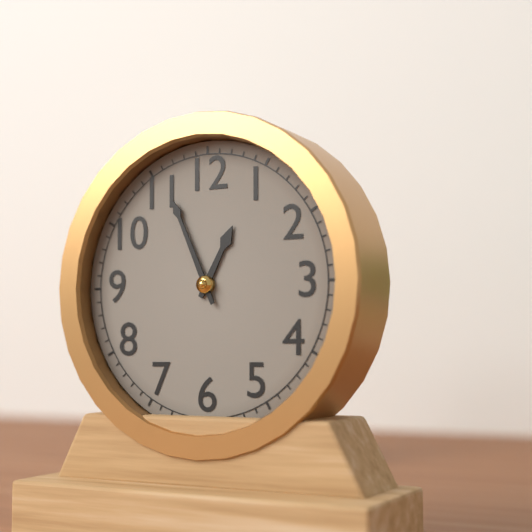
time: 12:56
